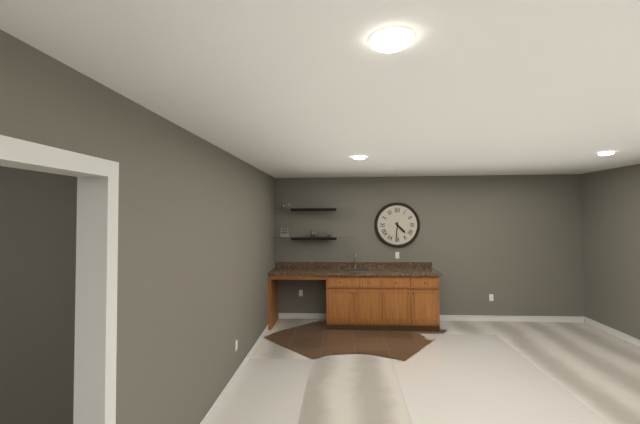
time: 4:31
